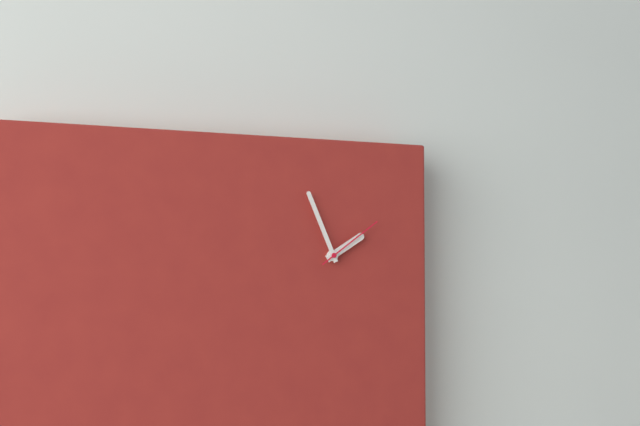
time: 1:56:09
